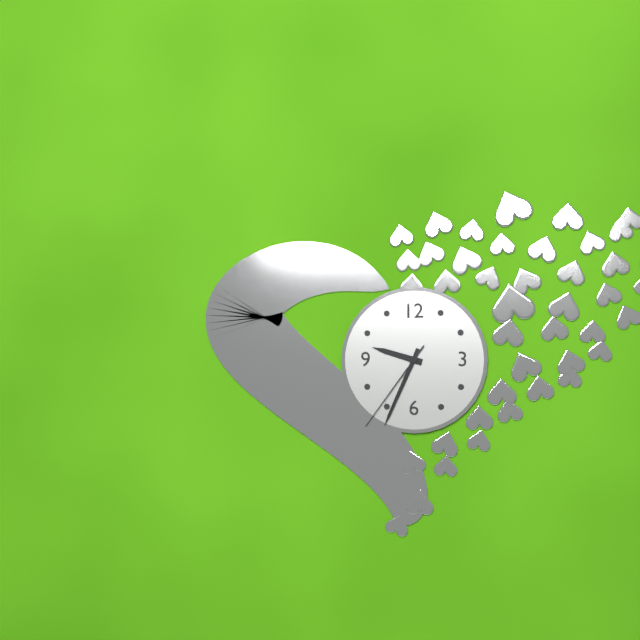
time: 9:34:36
